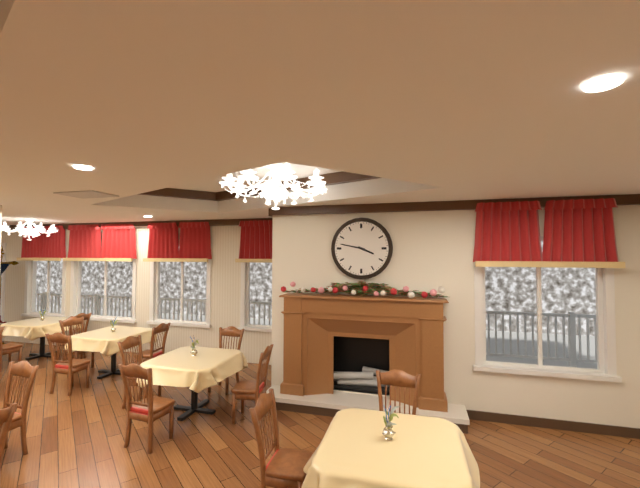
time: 3:47
